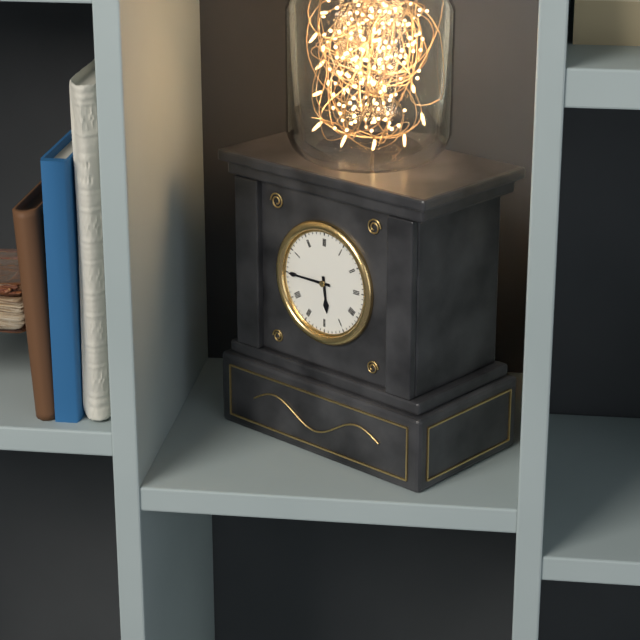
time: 5:45
